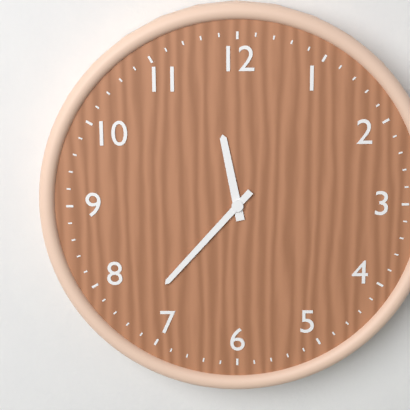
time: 11:37
